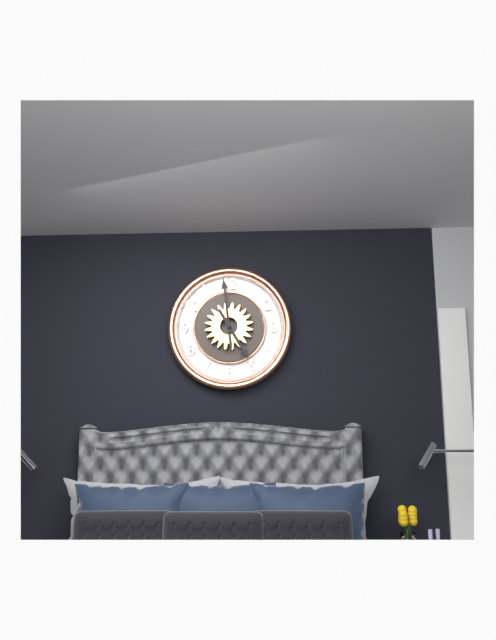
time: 4:59
